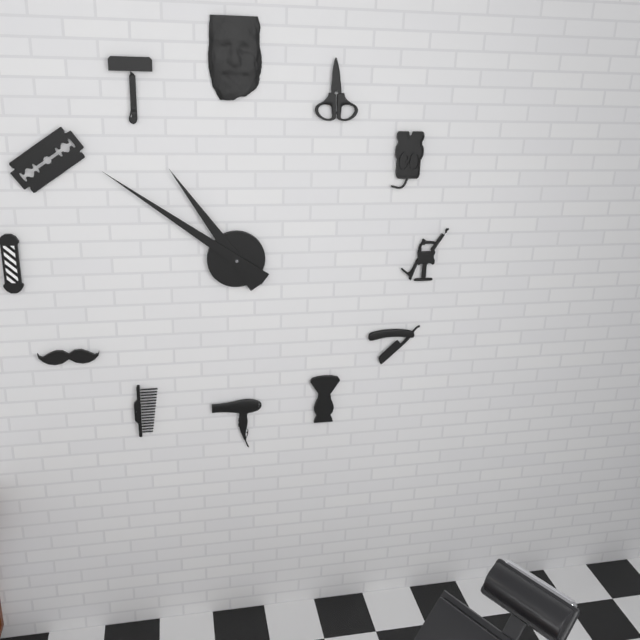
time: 10:51
